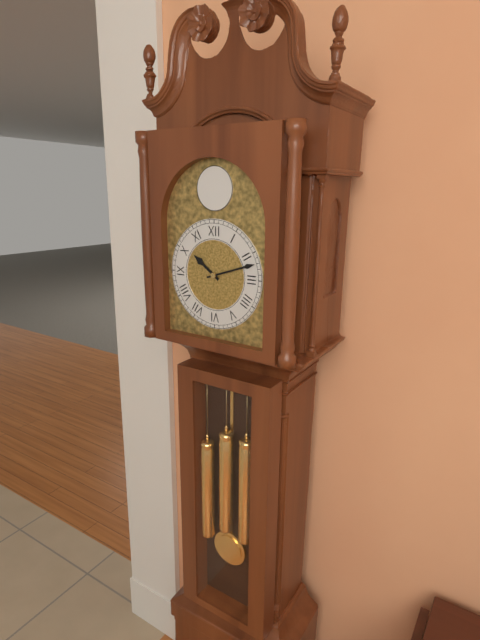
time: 10:12
